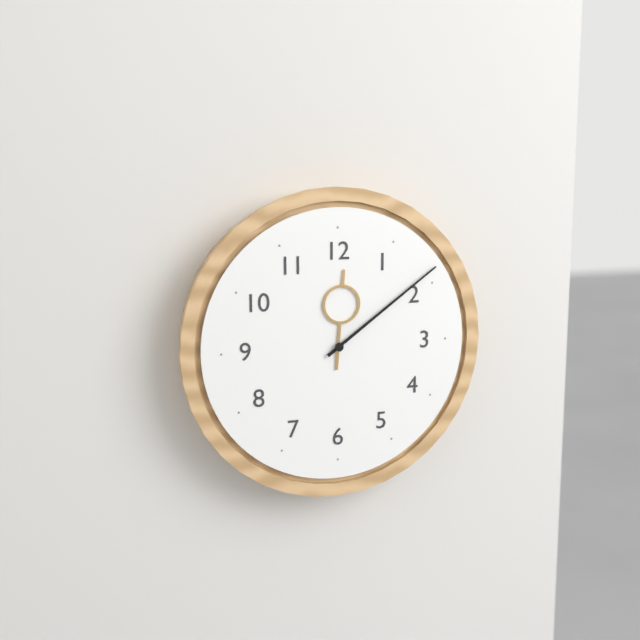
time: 12:09
